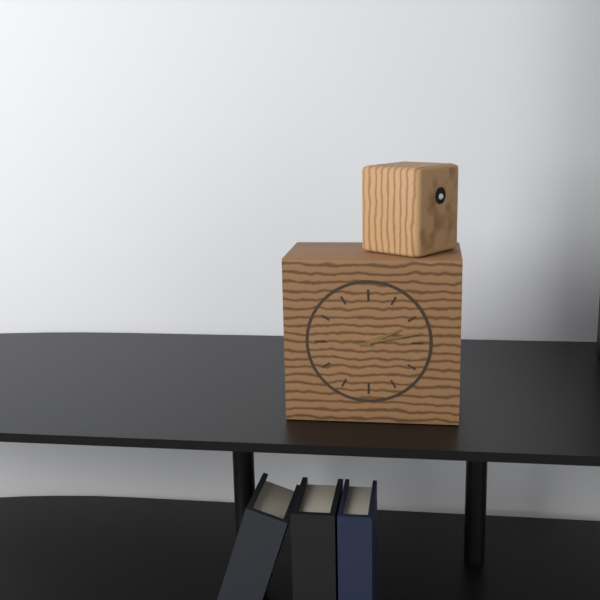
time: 2:13
